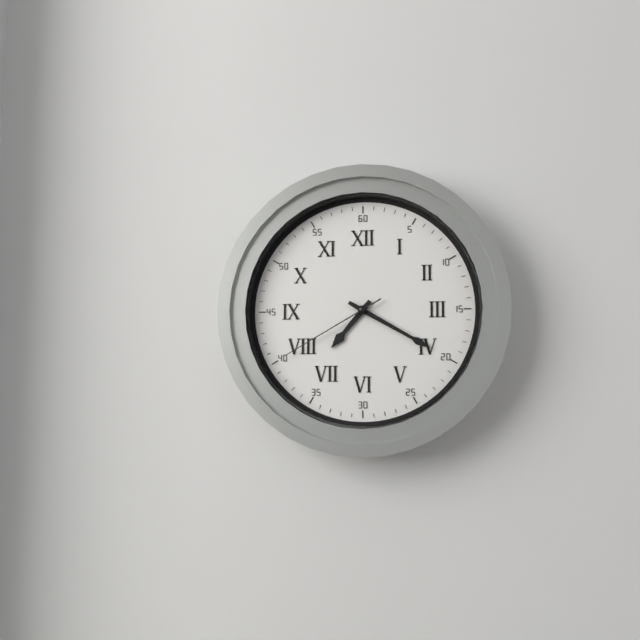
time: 7:20:40
